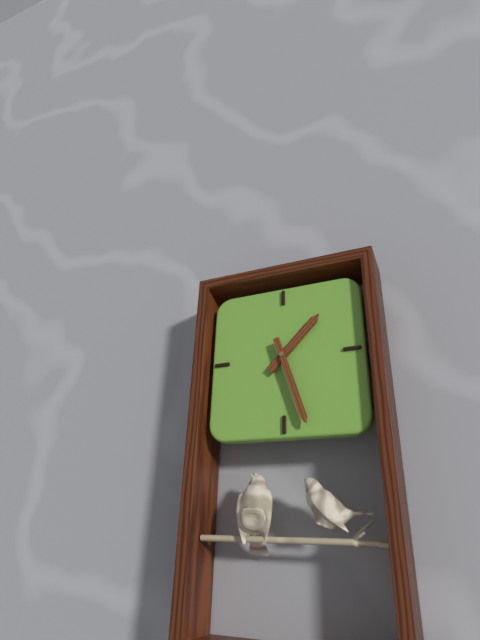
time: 1:27
